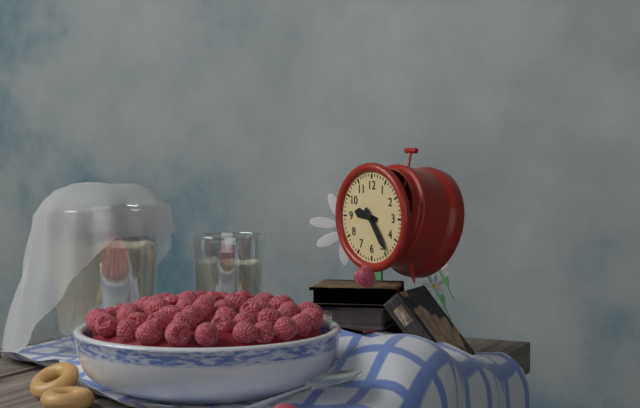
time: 9:24
